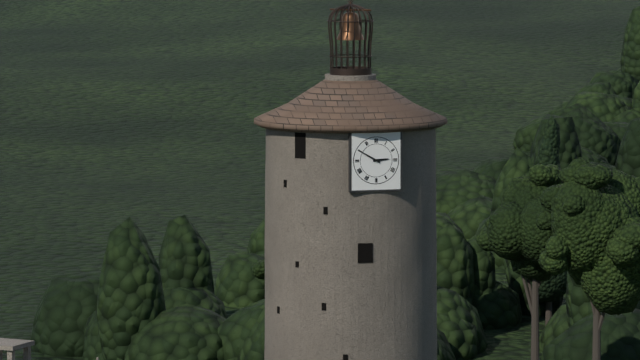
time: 2:50
